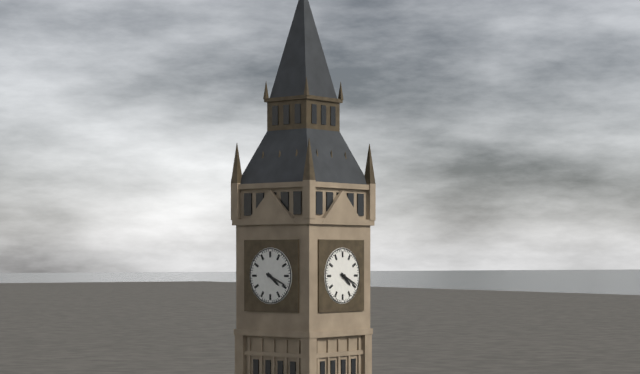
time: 4:19
